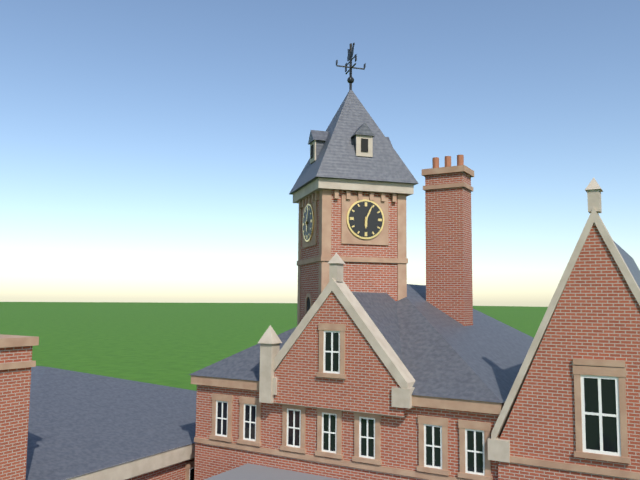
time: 6:04
